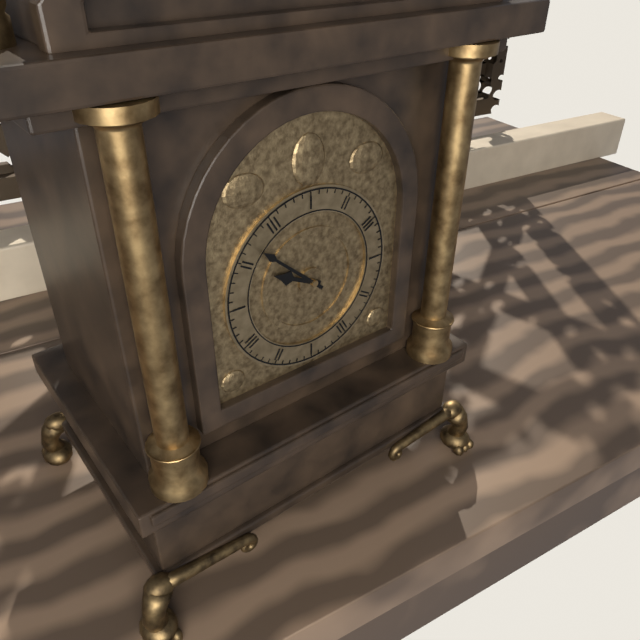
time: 9:52
